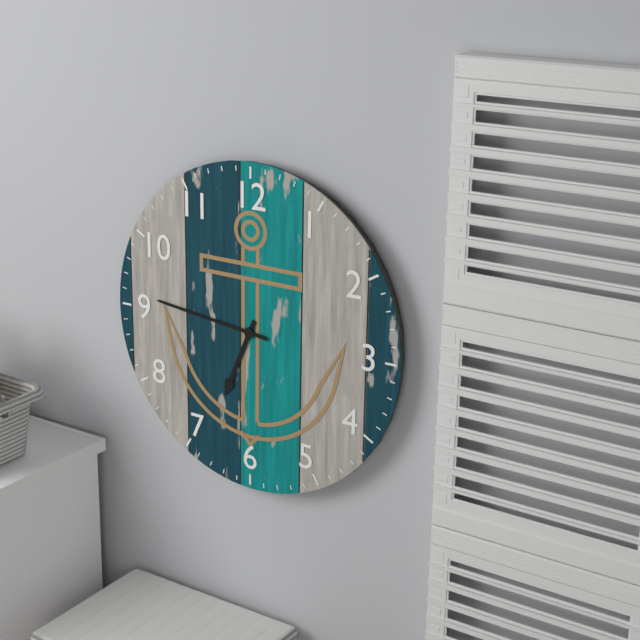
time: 6:46
